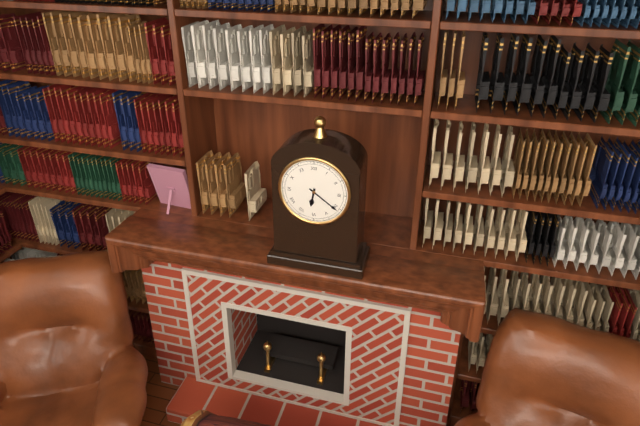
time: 6:21
